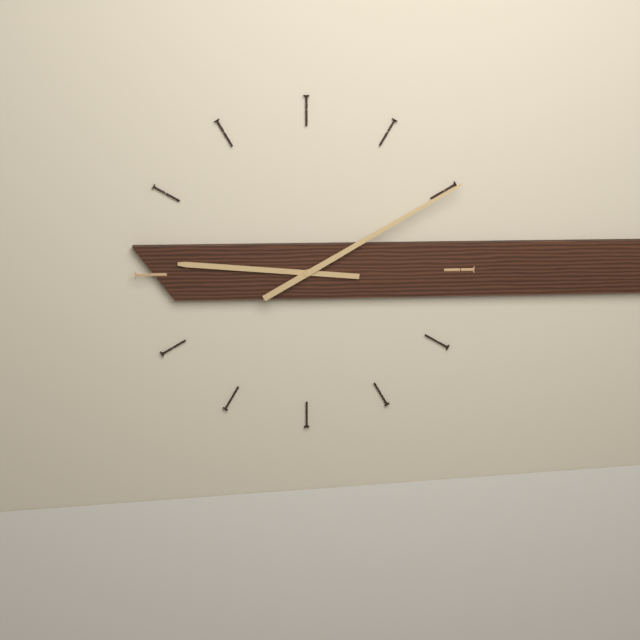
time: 9:10
